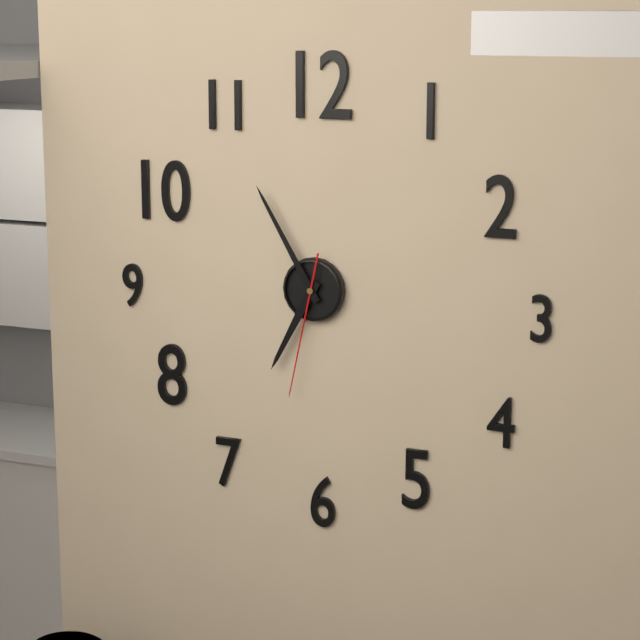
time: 6:55:32
